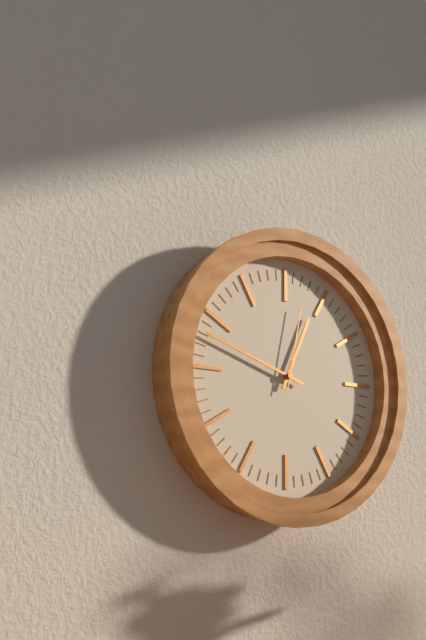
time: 12:48:02
